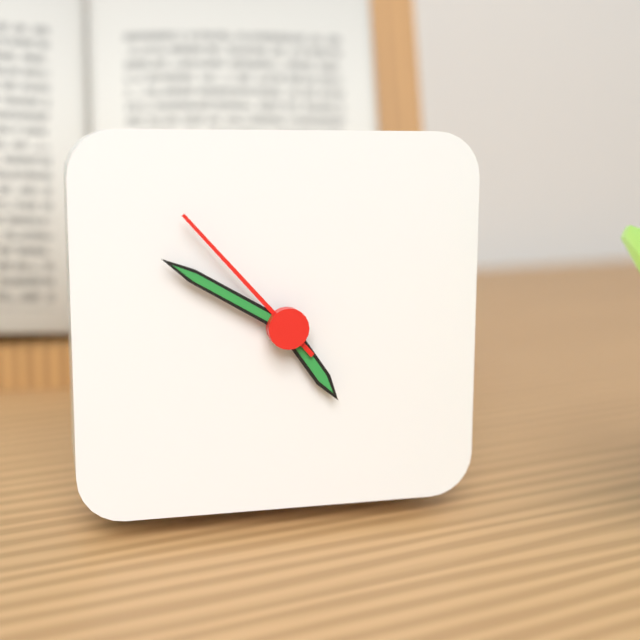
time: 4:50:53
